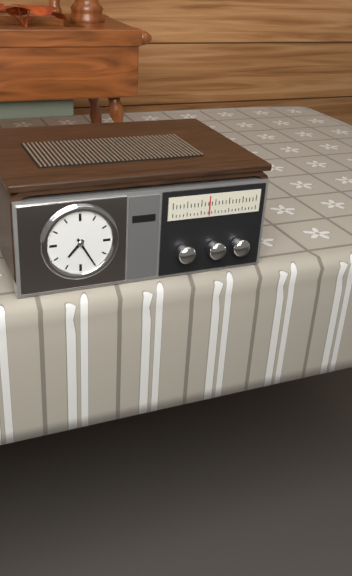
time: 7:25
